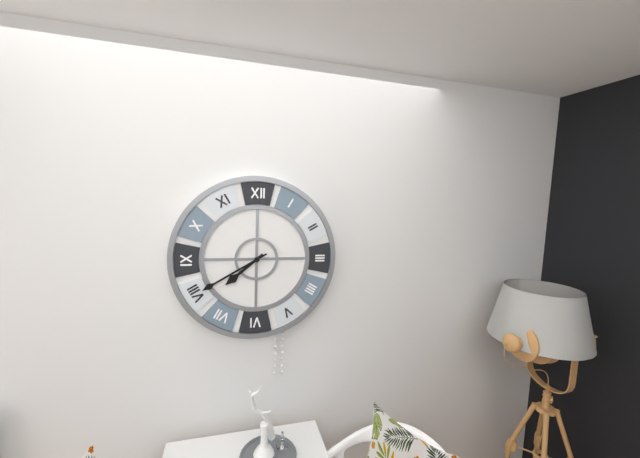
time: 7:40
